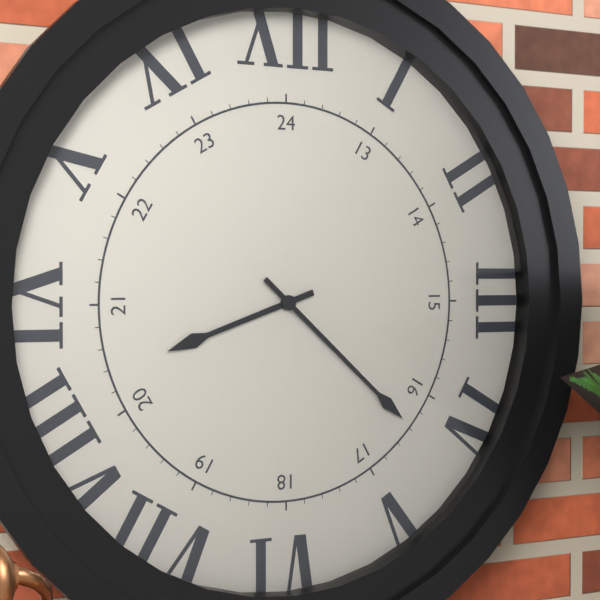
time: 8:22
